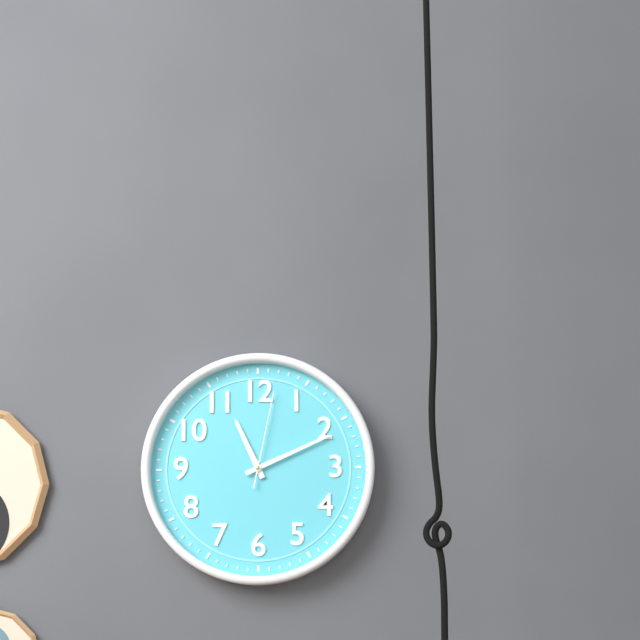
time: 11:11:02
